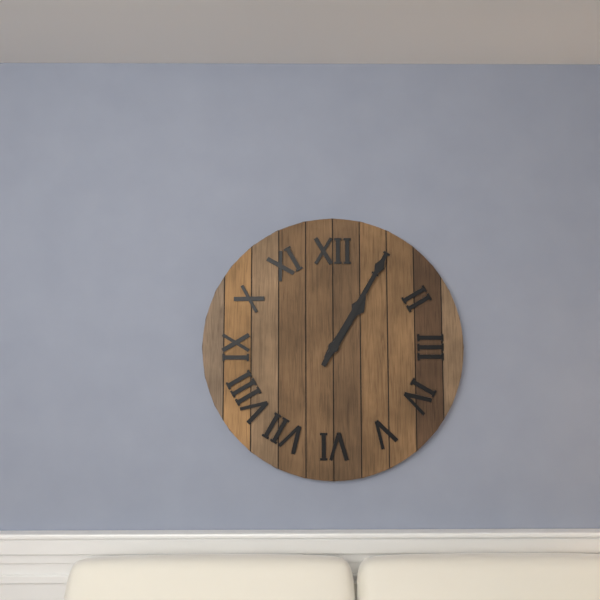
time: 1:05
